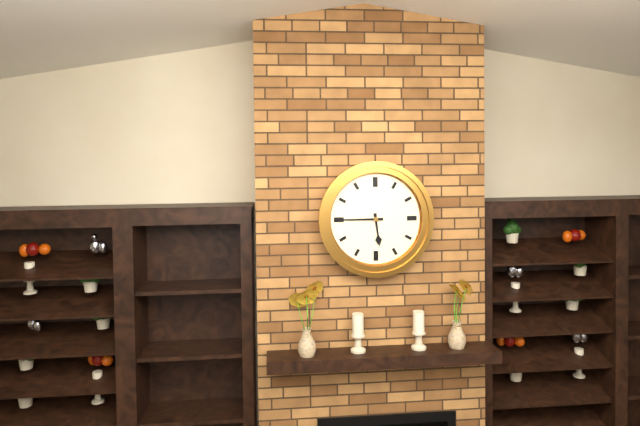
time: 5:45
